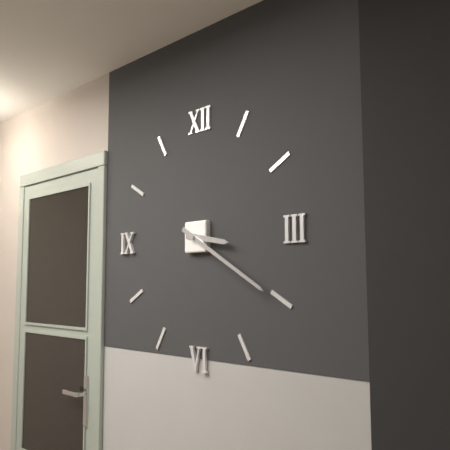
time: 3:20
